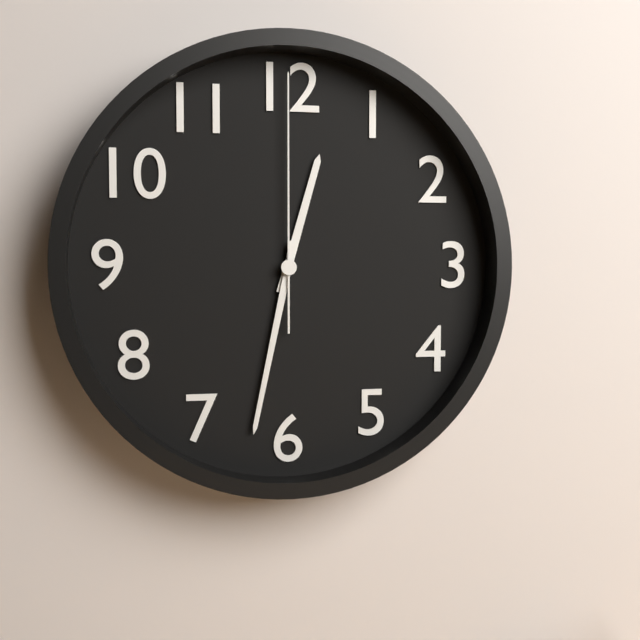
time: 12:32:00
